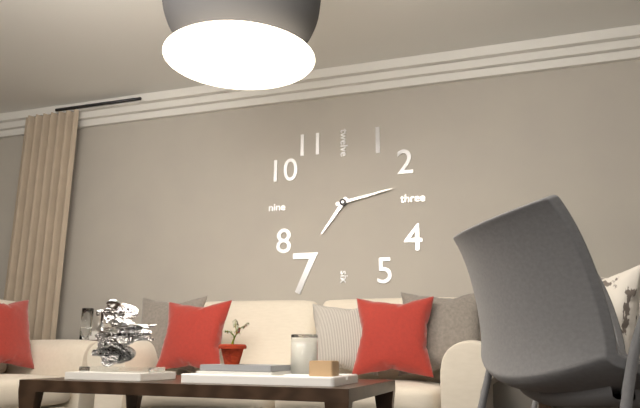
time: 7:13
